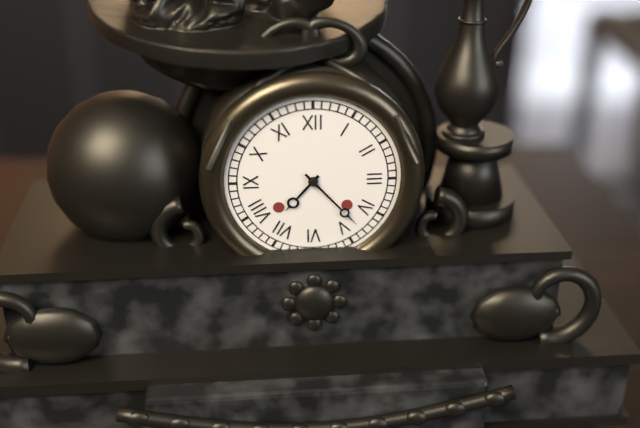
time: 7:23
